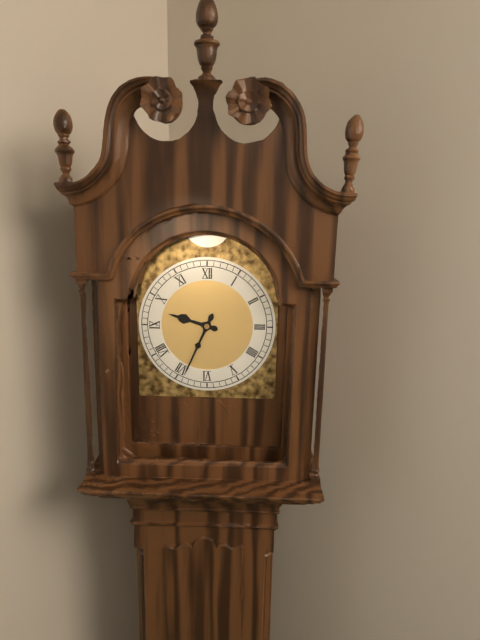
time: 9:34
